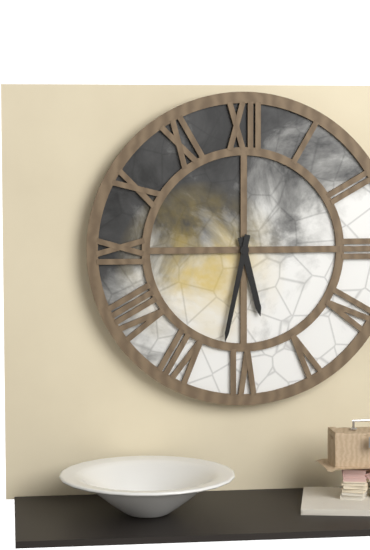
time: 5:32
